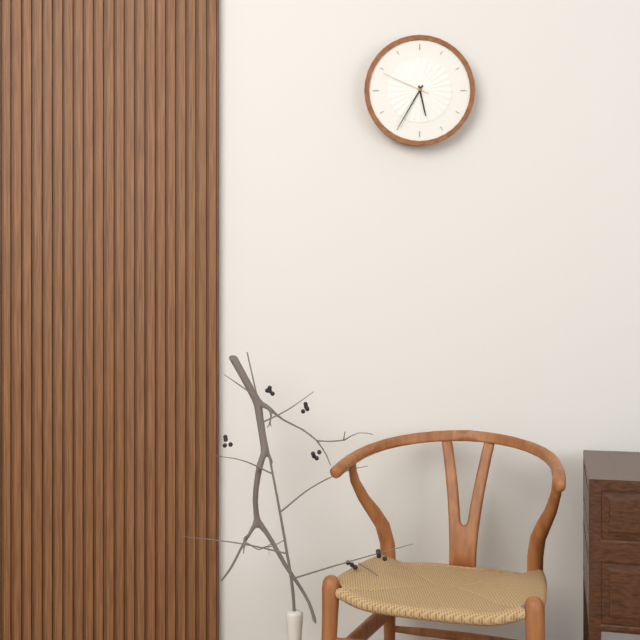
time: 5:35:49
